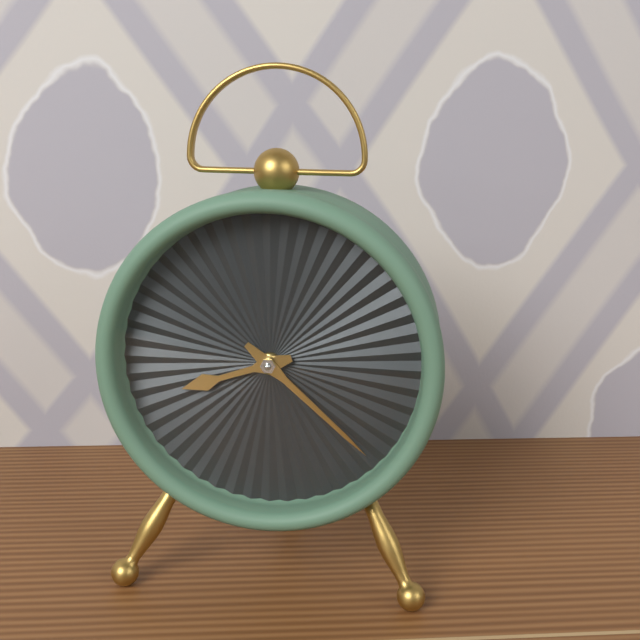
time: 8:22
